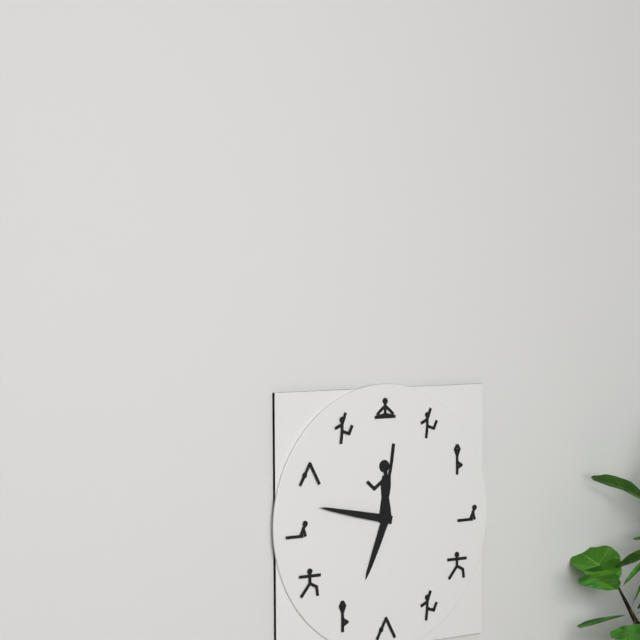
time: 6:47
